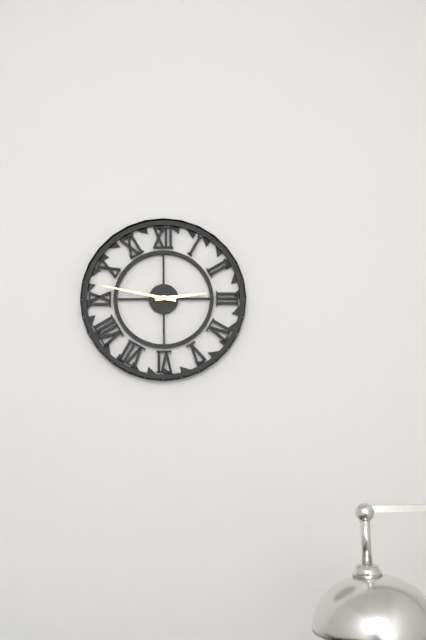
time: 2:47
